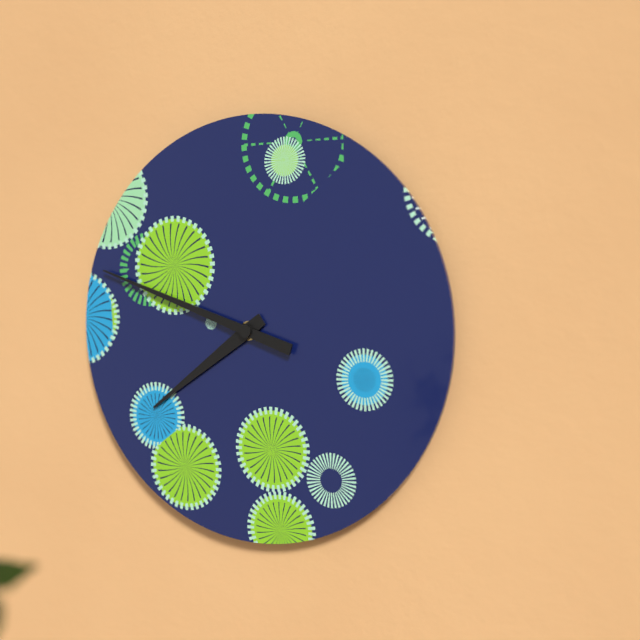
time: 7:48
